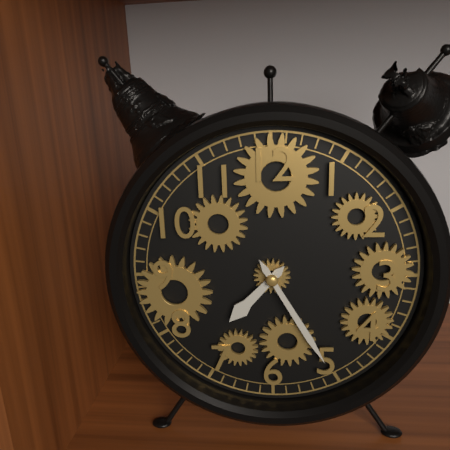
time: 7:25
